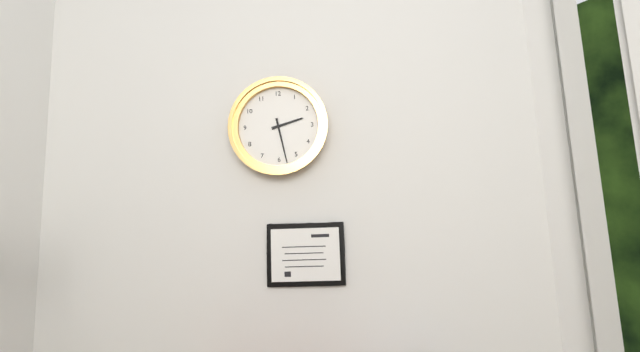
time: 2:28
